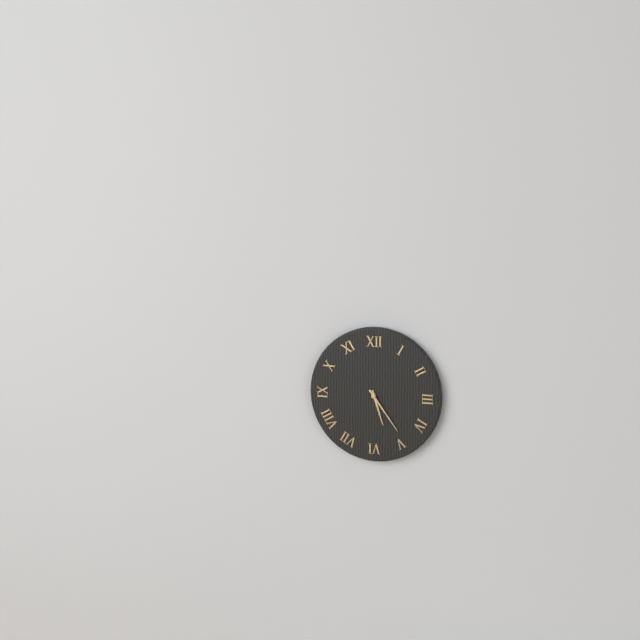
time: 5:24
